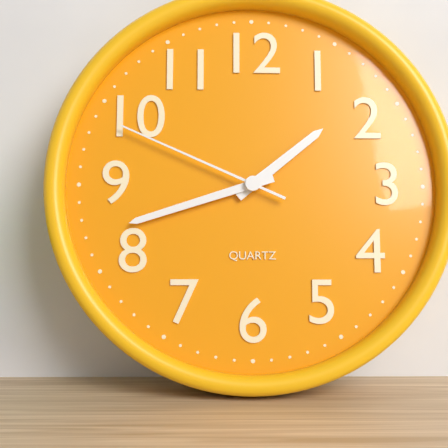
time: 1:42:49
